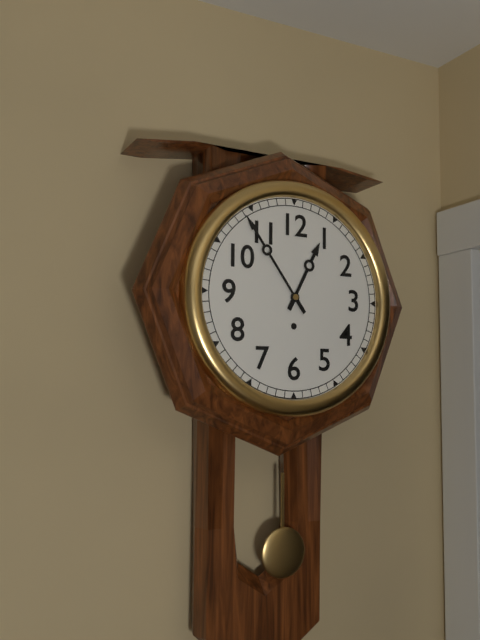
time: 12:54
